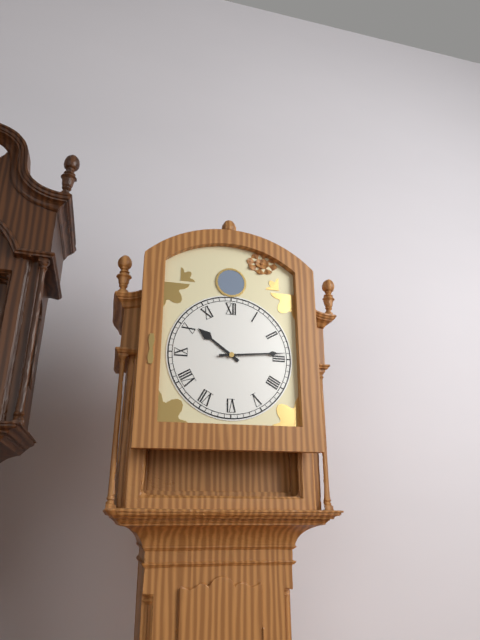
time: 10:14
